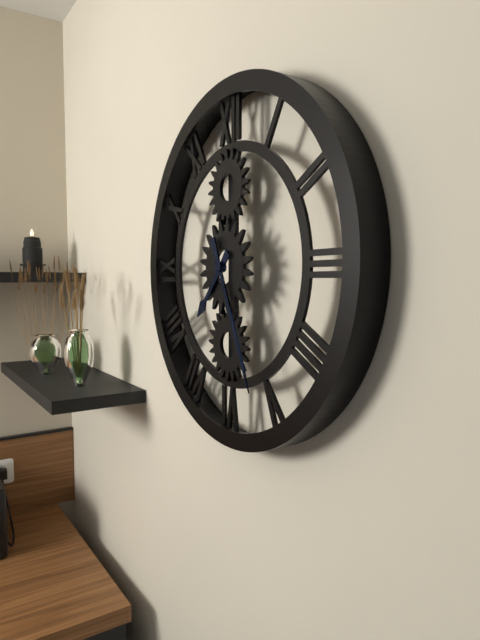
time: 7:26
